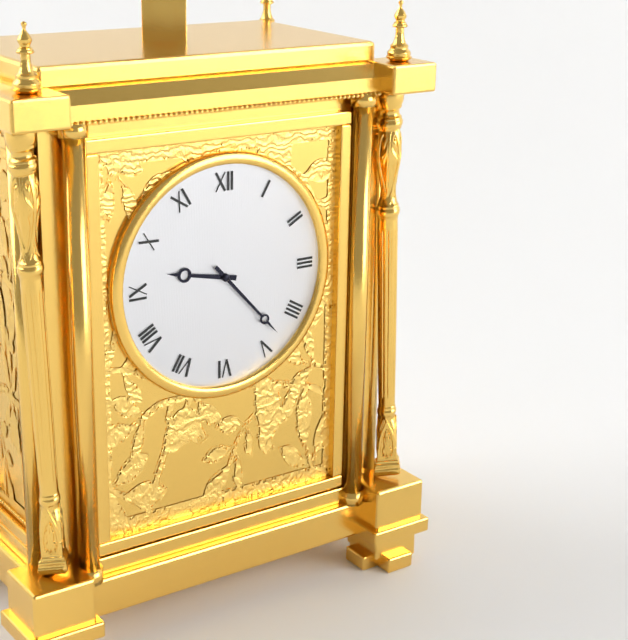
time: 9:23
